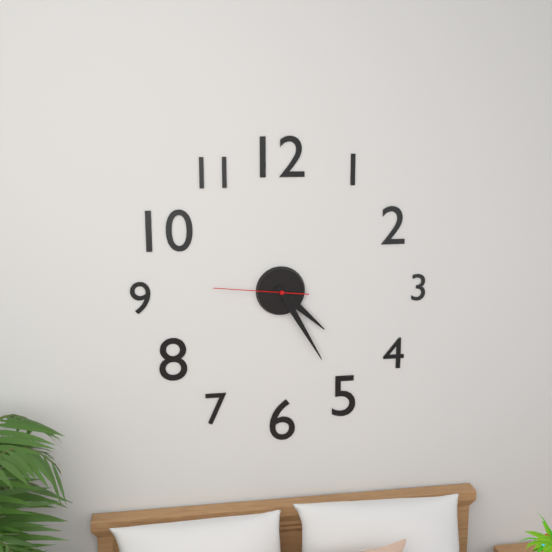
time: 4:25:46
